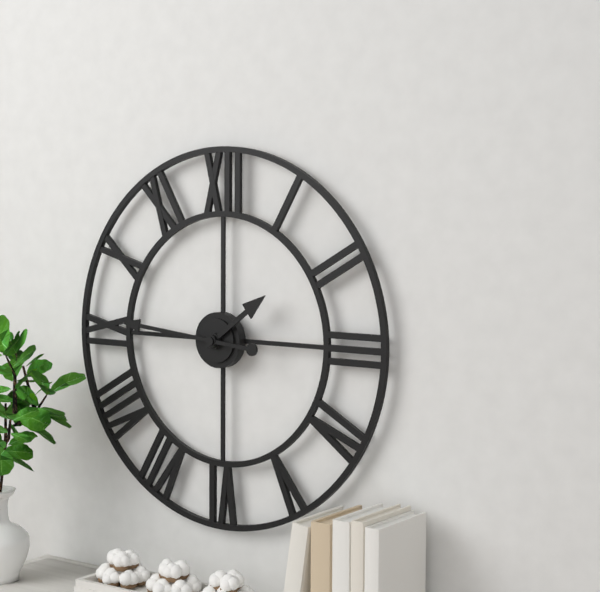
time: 1:46
